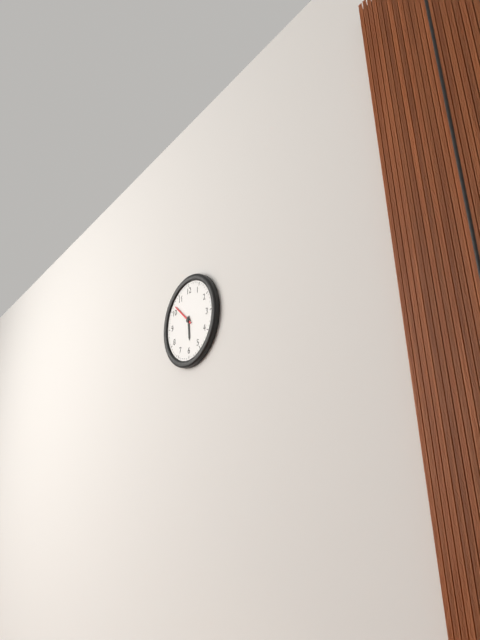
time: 5:52
